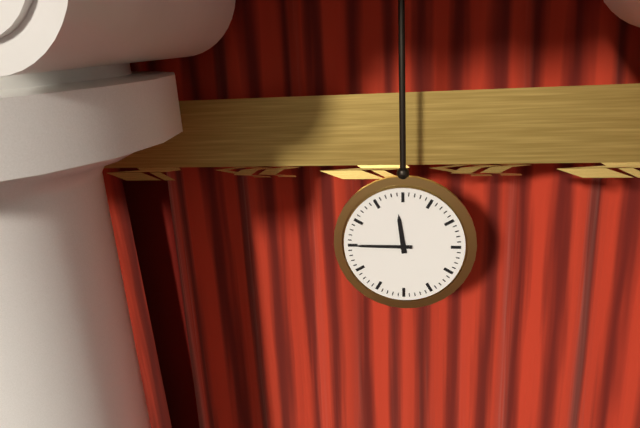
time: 11:45
